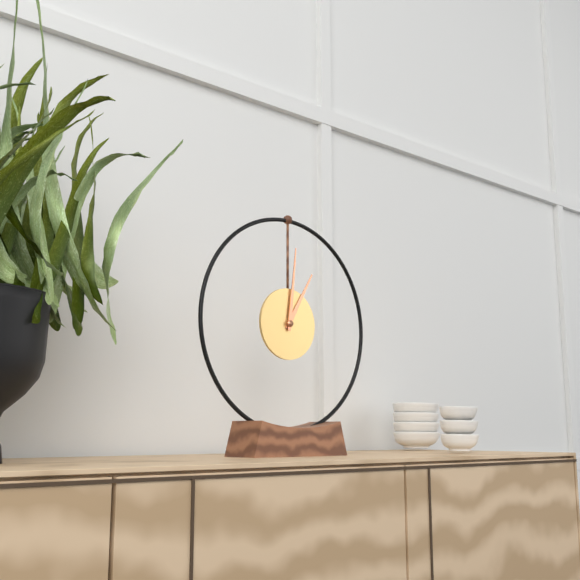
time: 1:01
